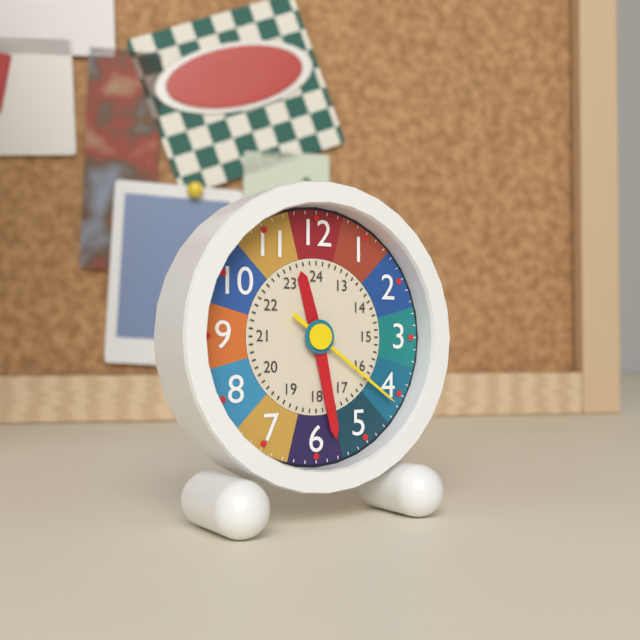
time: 11:28:21
